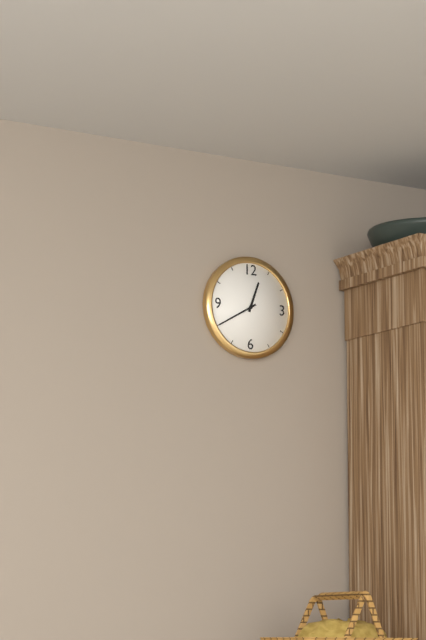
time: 12:40
